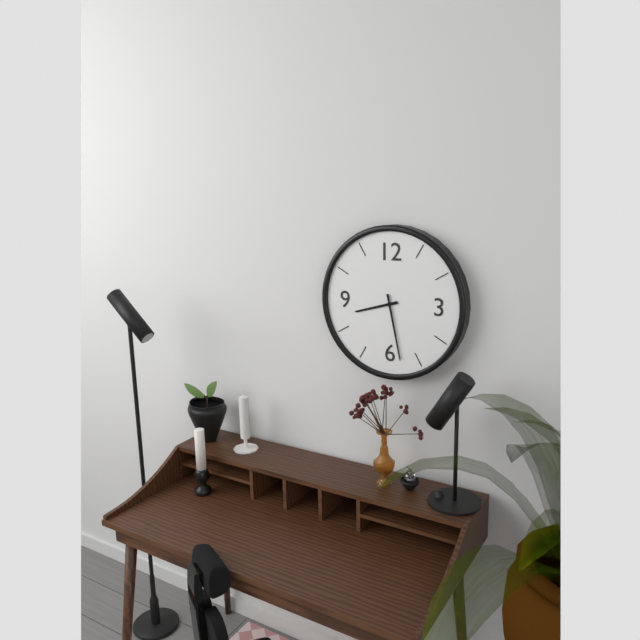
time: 8:28
